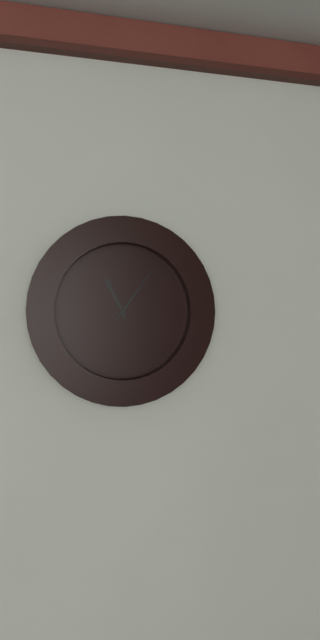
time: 11:06
